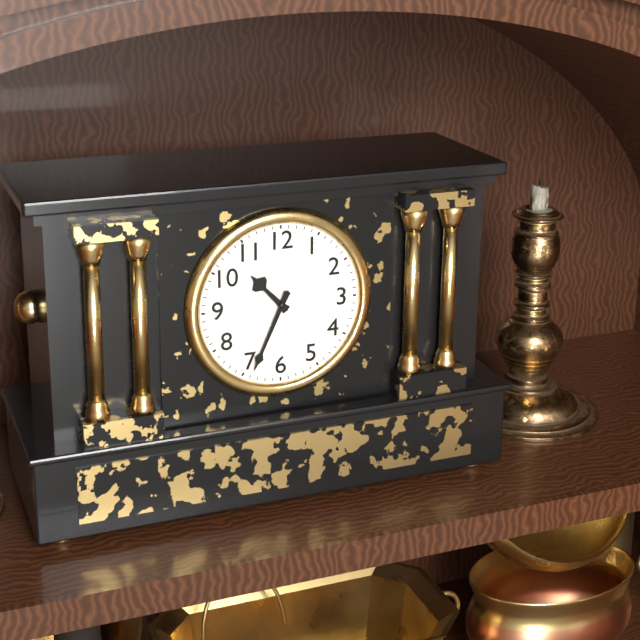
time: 10:34
